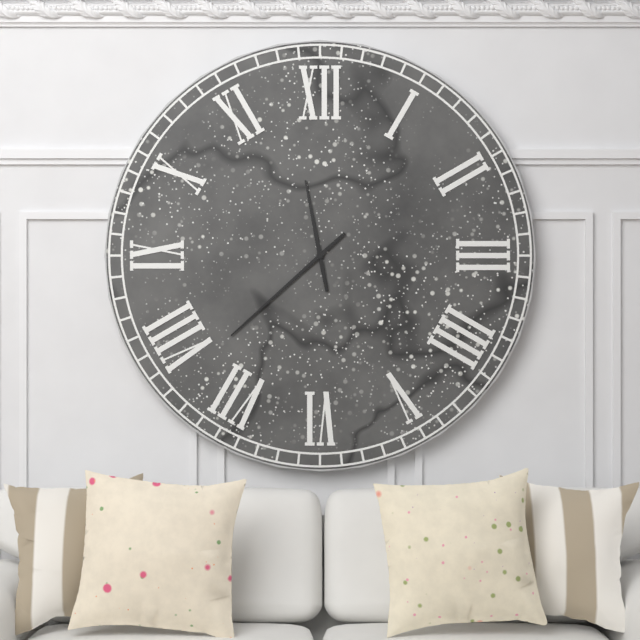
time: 11:38
